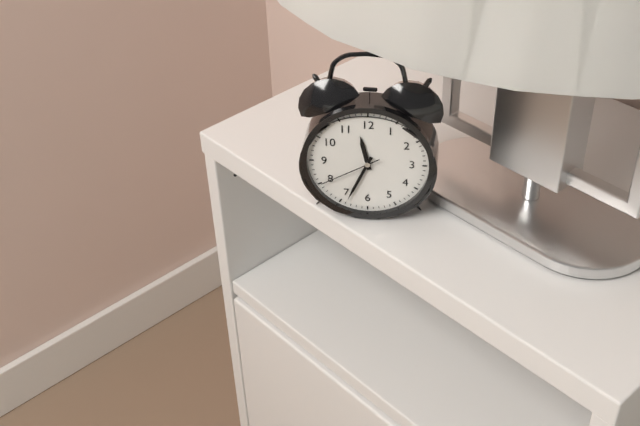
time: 11:34:40
